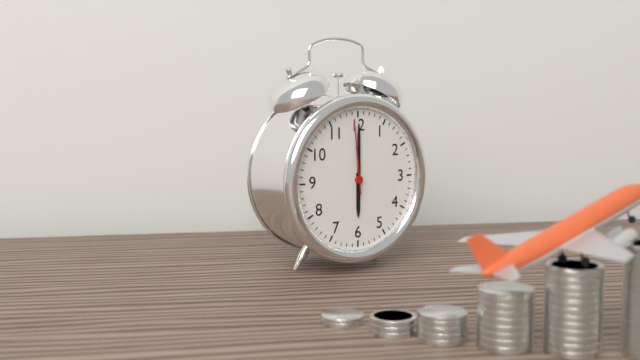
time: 6:00:59
